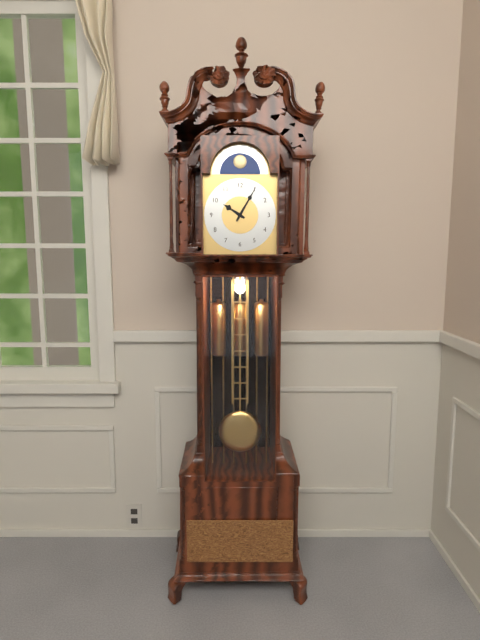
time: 10:05
